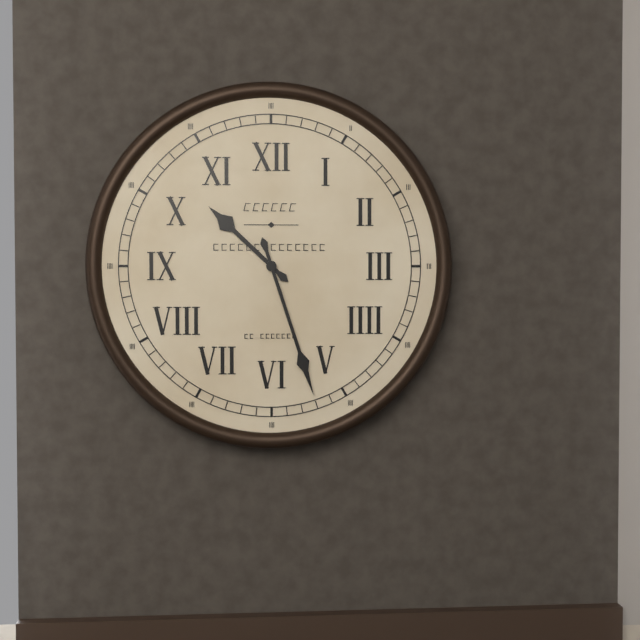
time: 10:27
